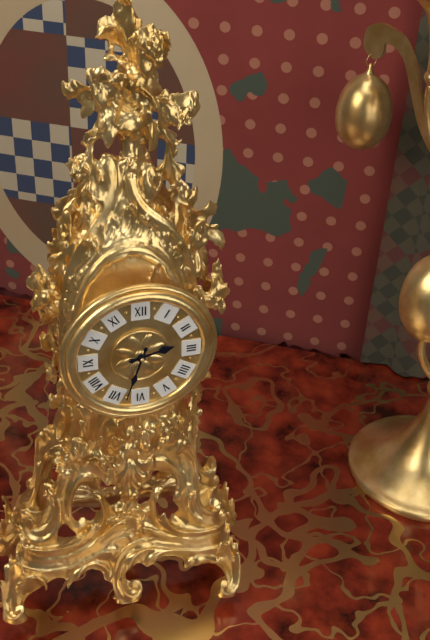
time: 2:33
